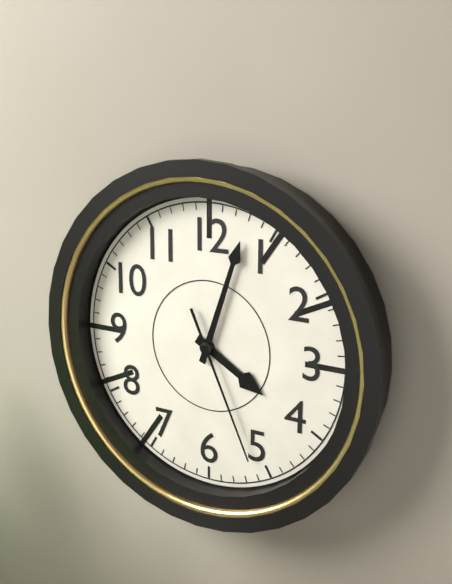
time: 4:03:26
